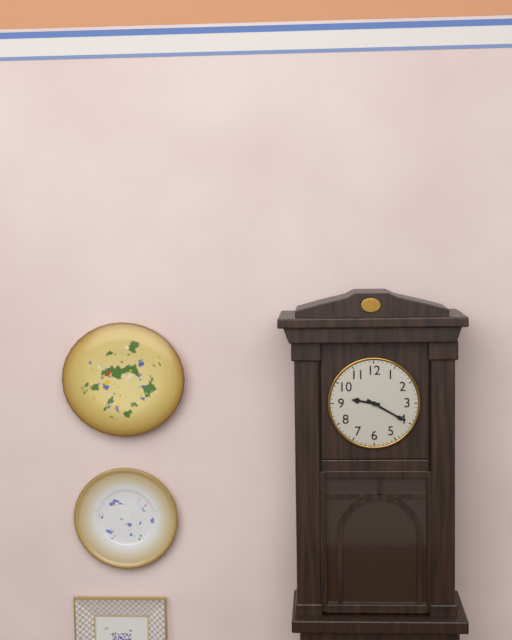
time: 9:20
